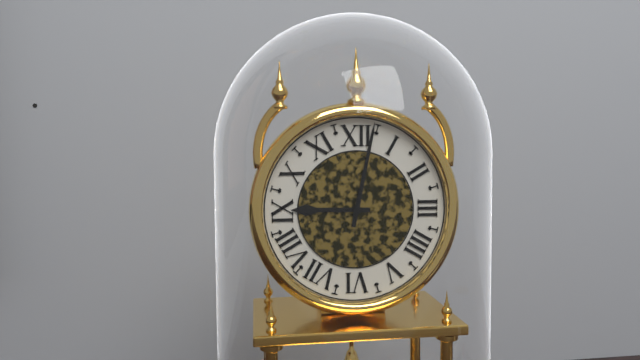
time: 9:02
